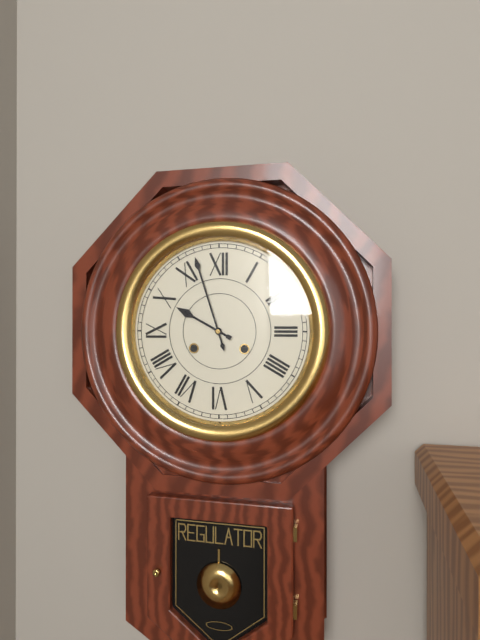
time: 9:57
